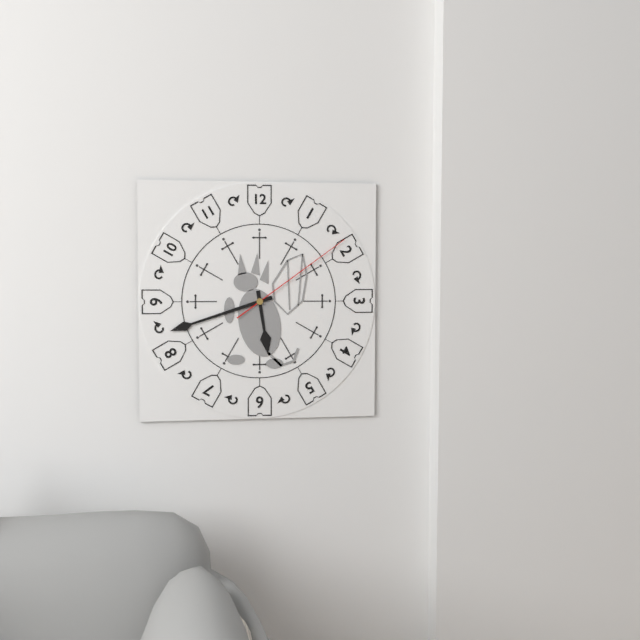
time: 5:42:09
